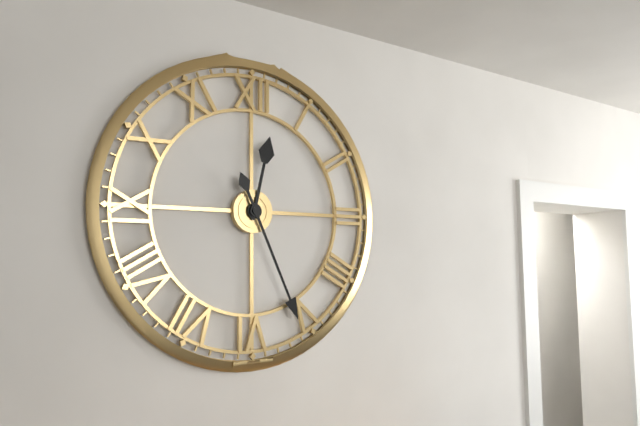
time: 12:26
